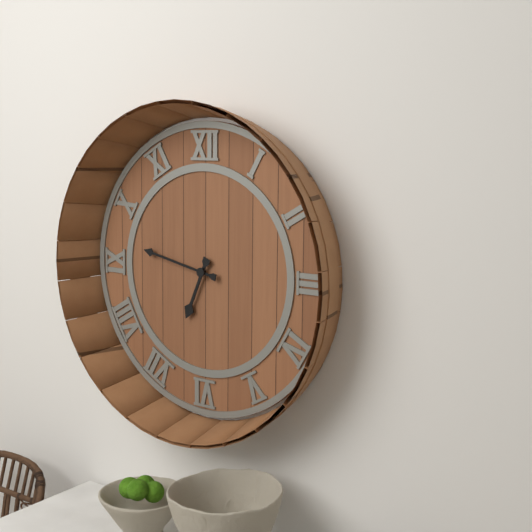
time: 6:47
